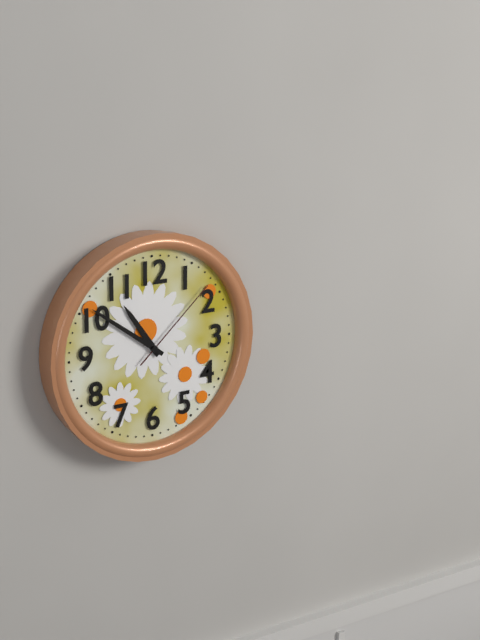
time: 10:51:08
